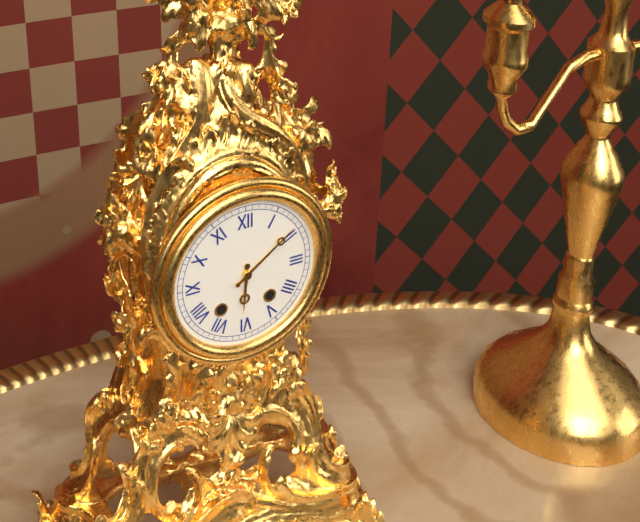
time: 6:09
